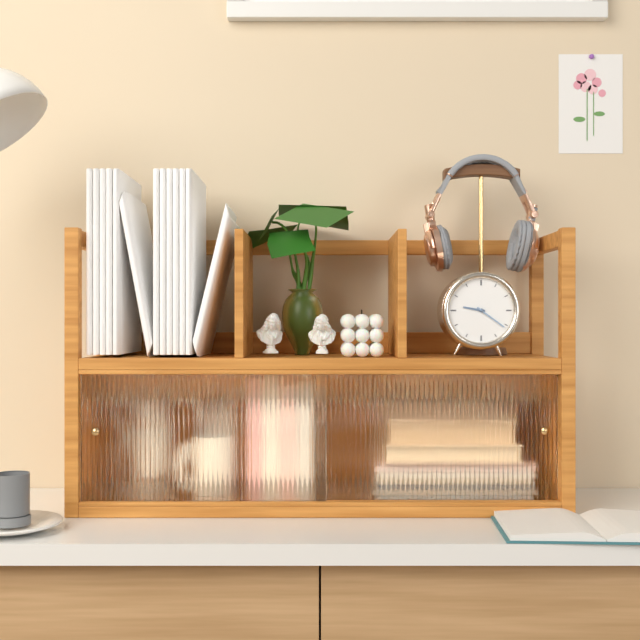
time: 9:21
